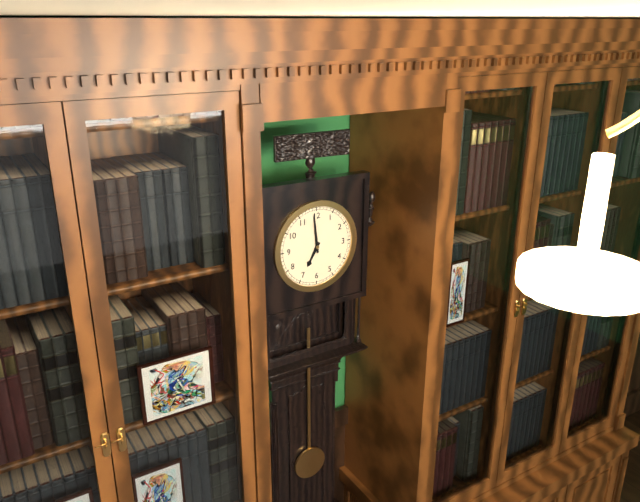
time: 6:59
